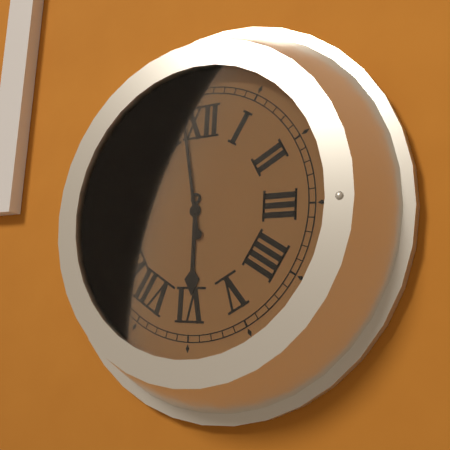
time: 5:58
